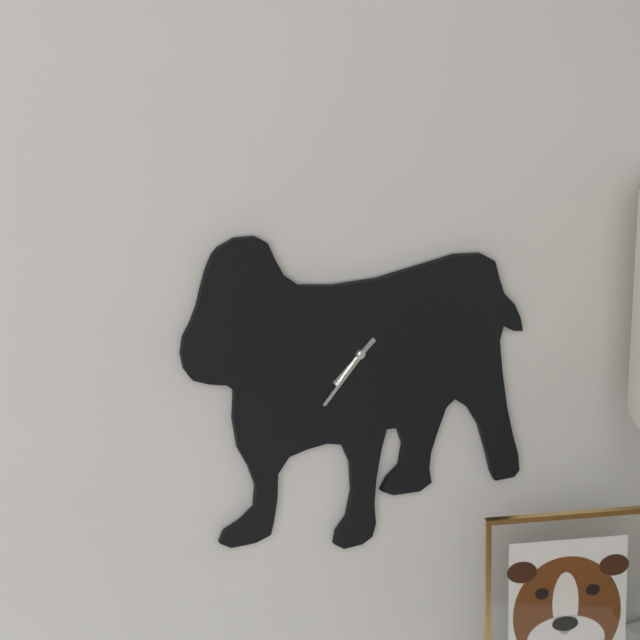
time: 7:37
